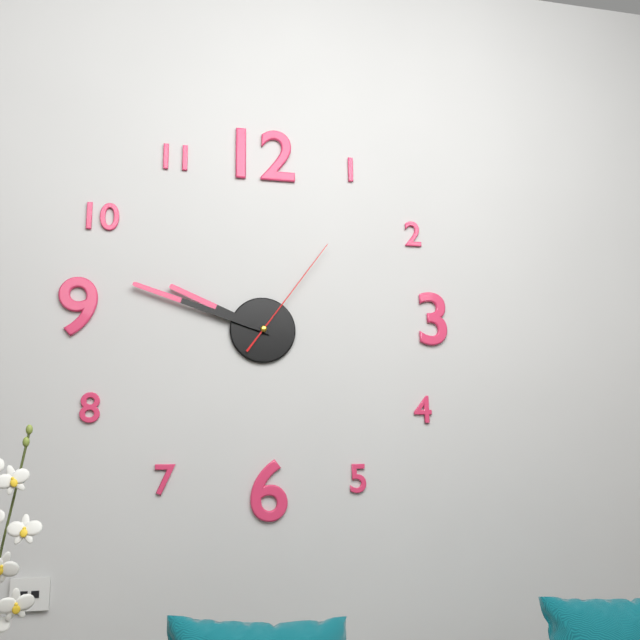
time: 9:48:06
